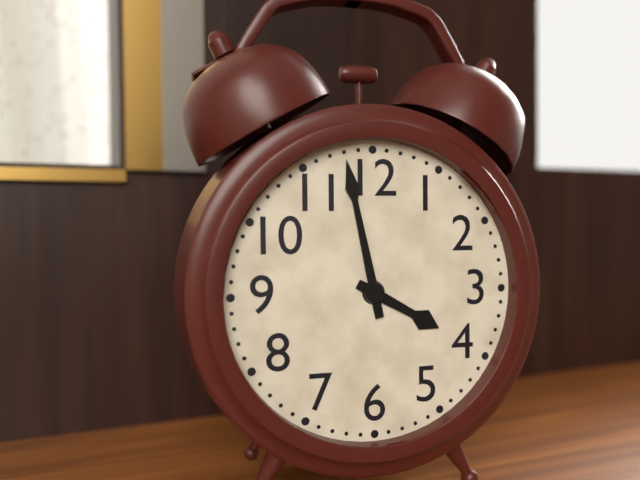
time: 3:58
